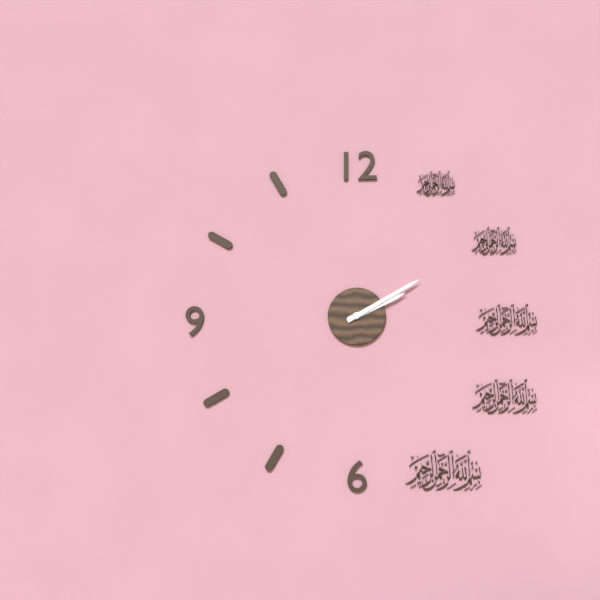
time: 2:10
